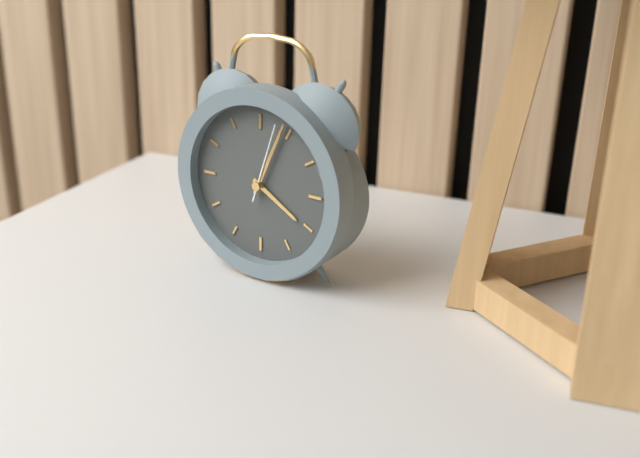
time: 4:04:03
